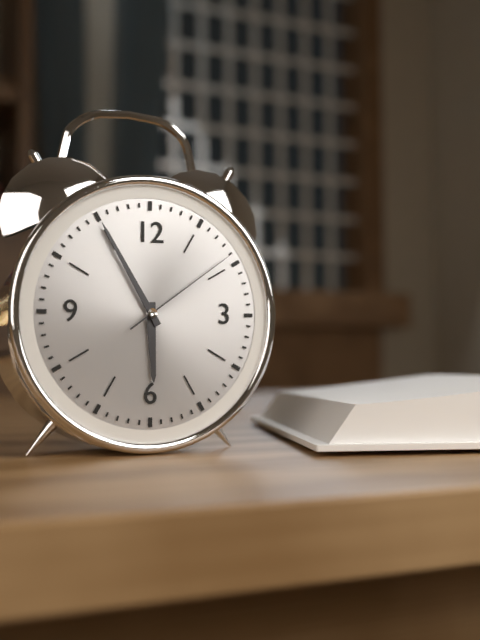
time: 5:55:09
